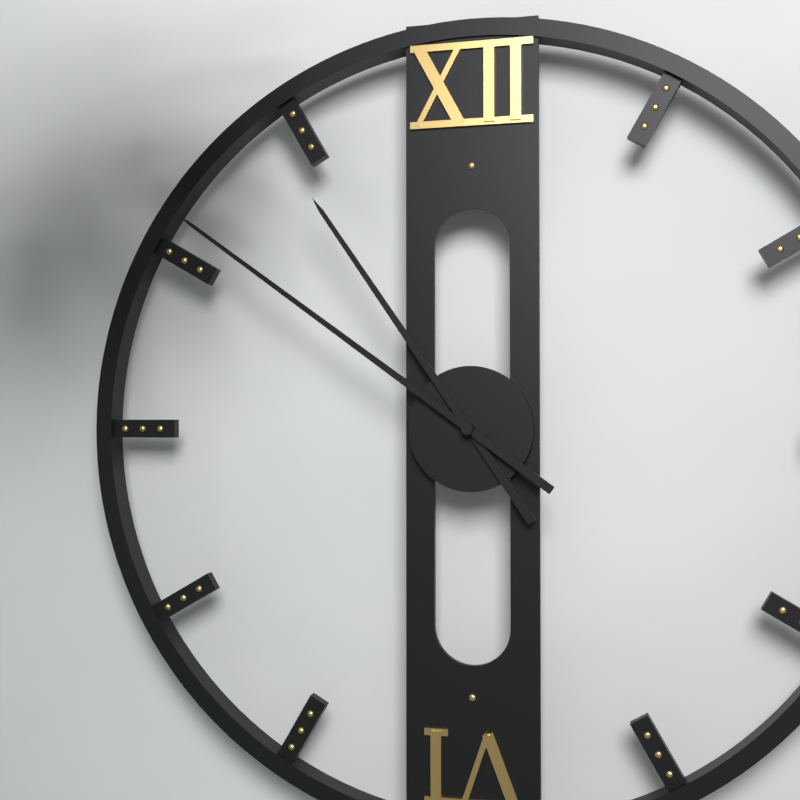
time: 10:51
